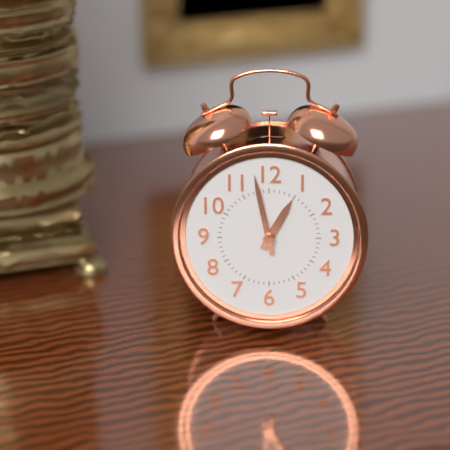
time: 12:58
